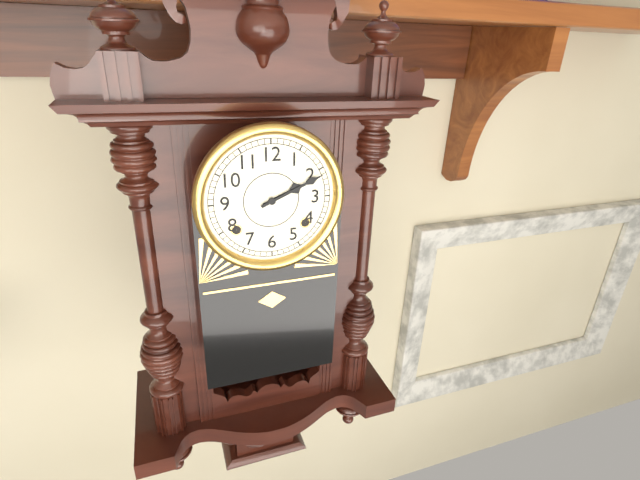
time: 2:11
